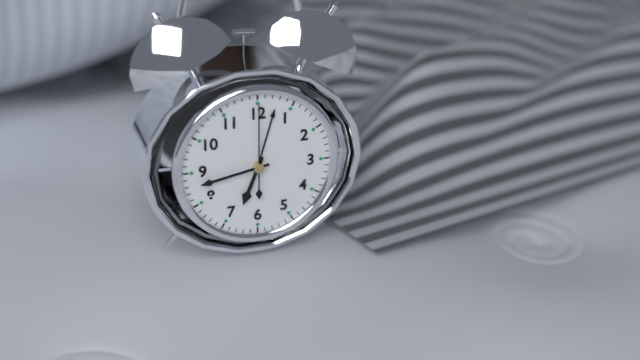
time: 6:43:00
